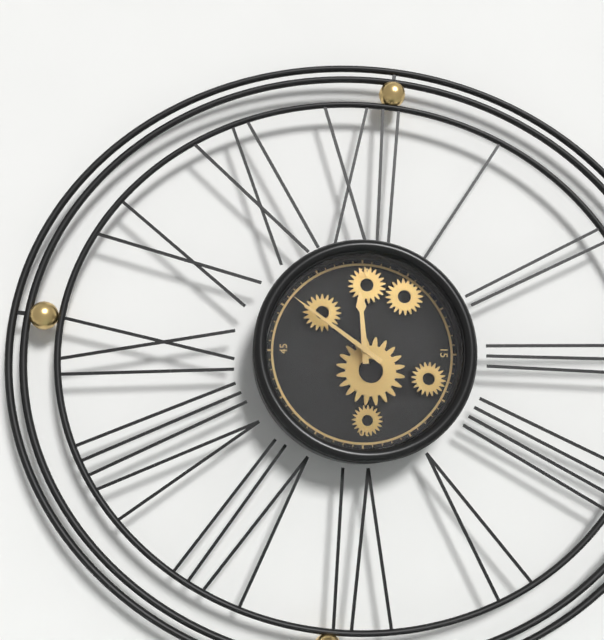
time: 11:51
